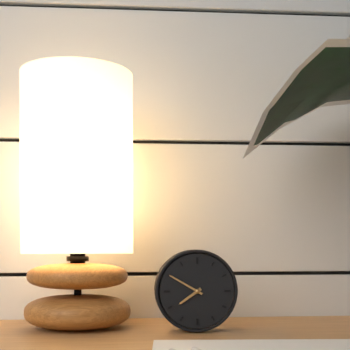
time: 7:50
